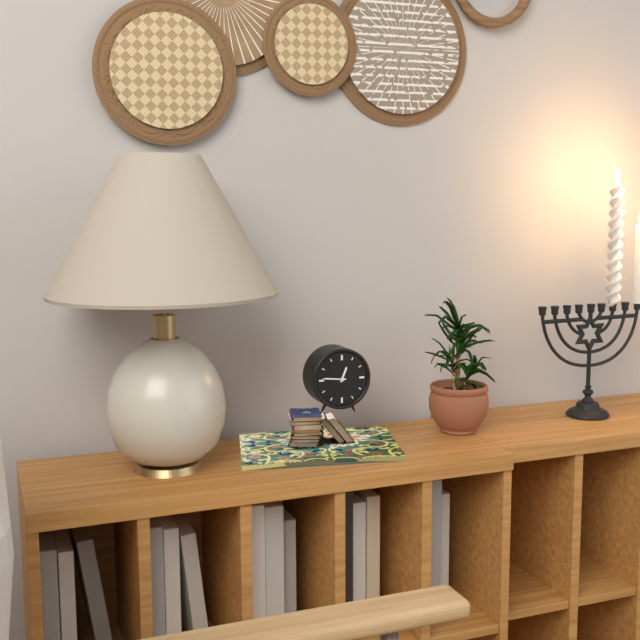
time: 12:46
